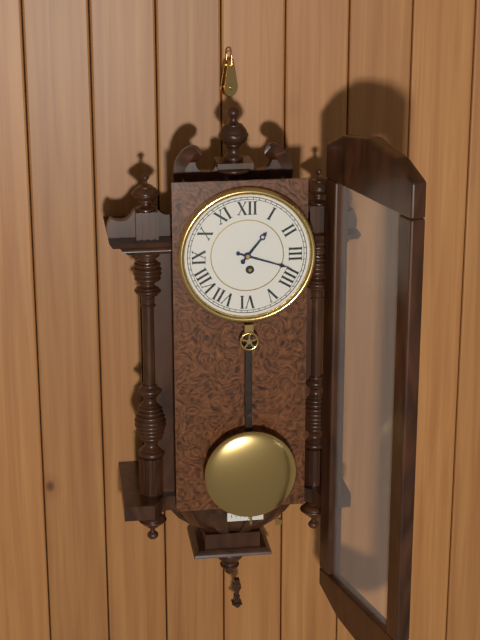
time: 1:18
